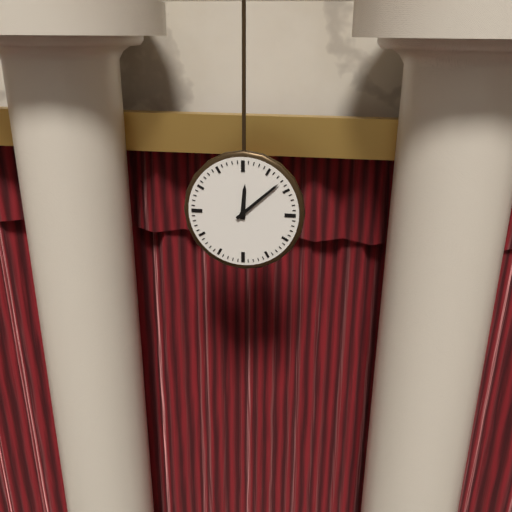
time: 12:08
